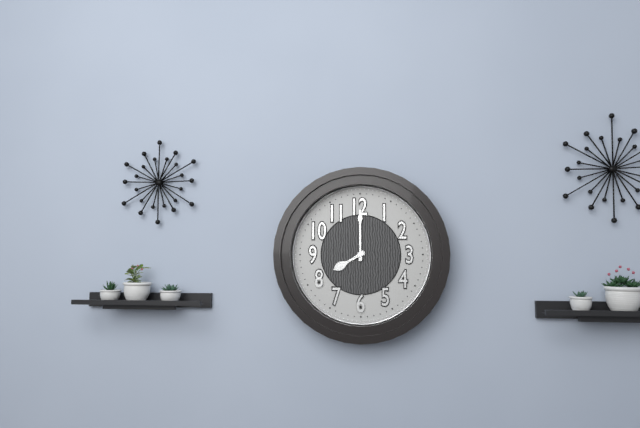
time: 8:00
